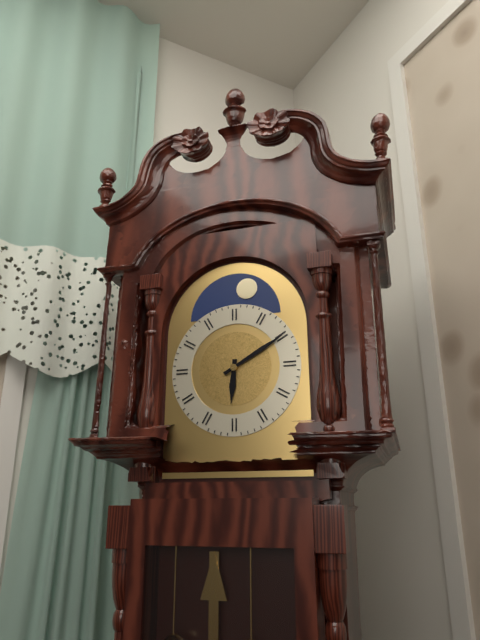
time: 6:10
